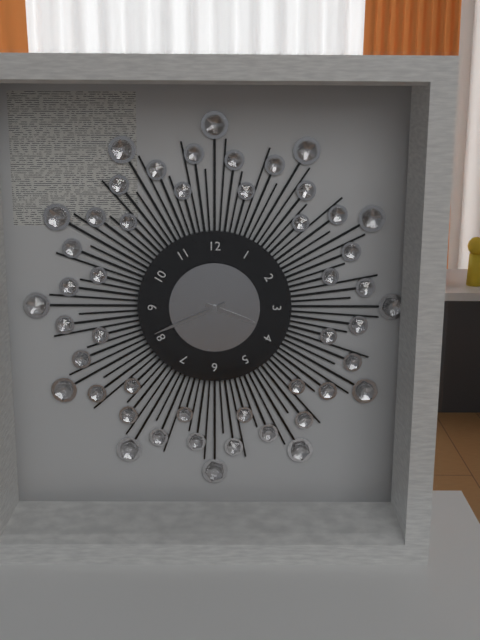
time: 3:41
